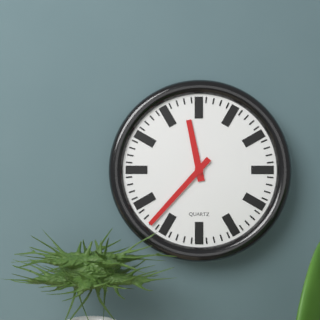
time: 11:37
